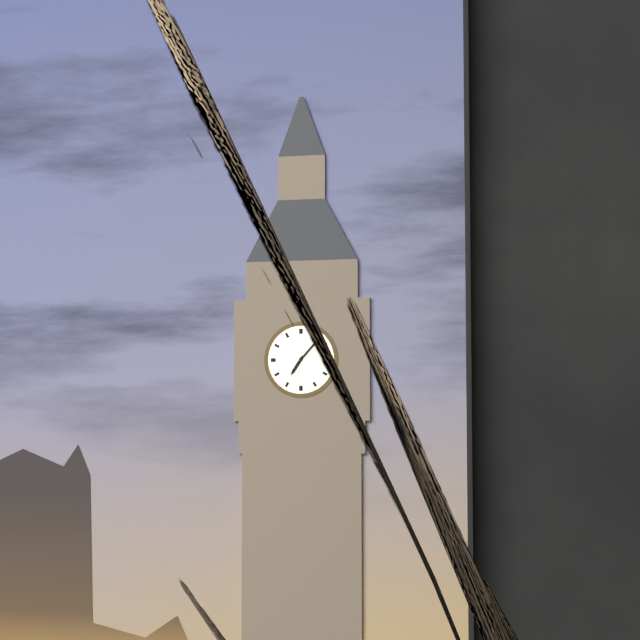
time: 7:07
